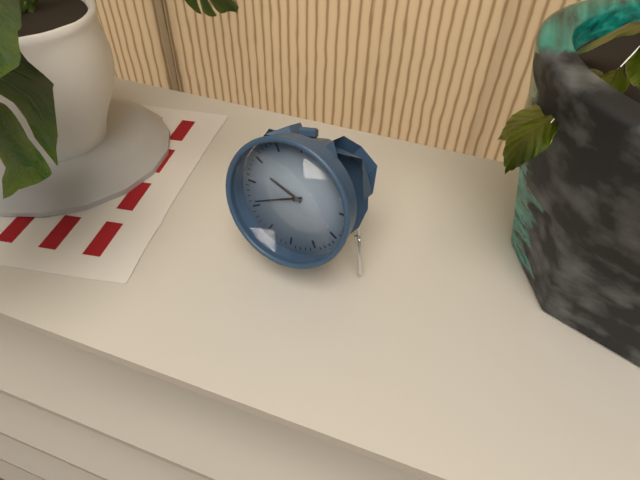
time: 9:41
